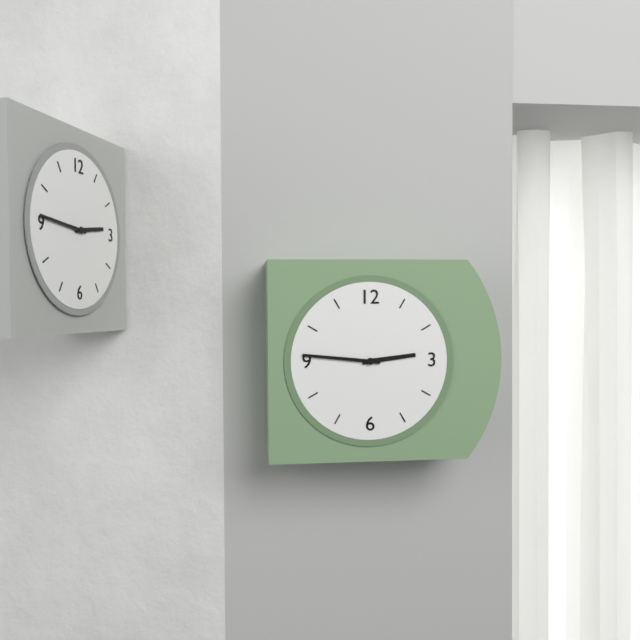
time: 2:46
